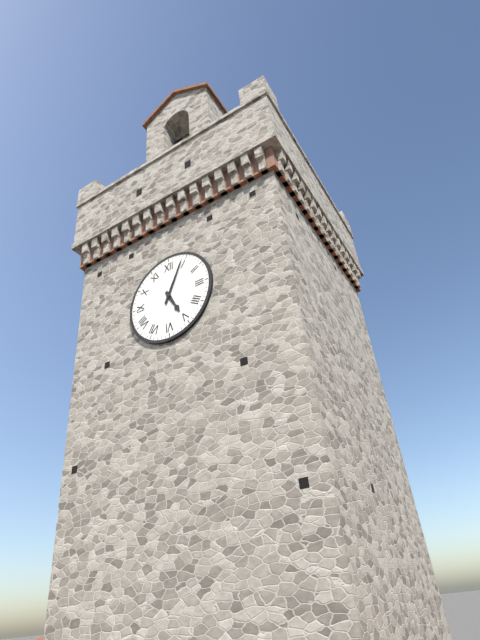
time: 5:04
